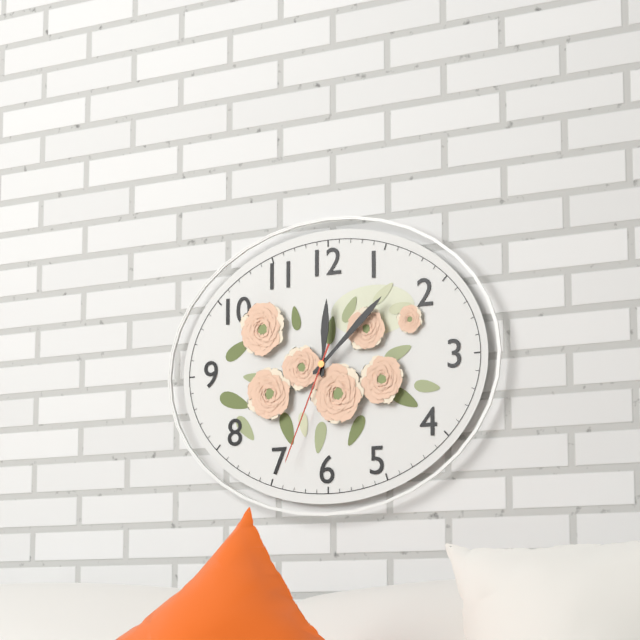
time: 12:08:34
